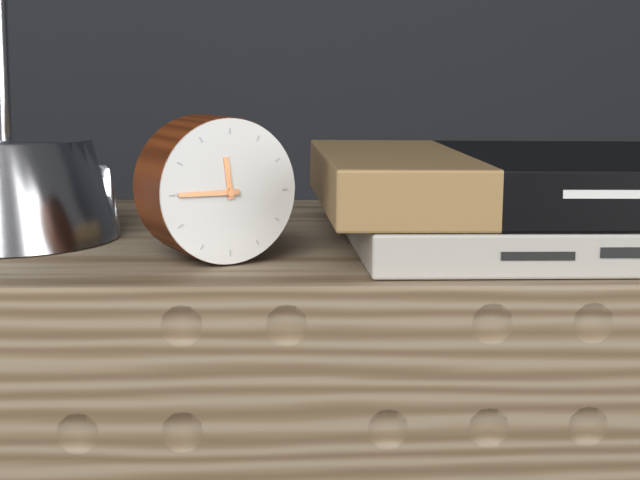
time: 11:45
